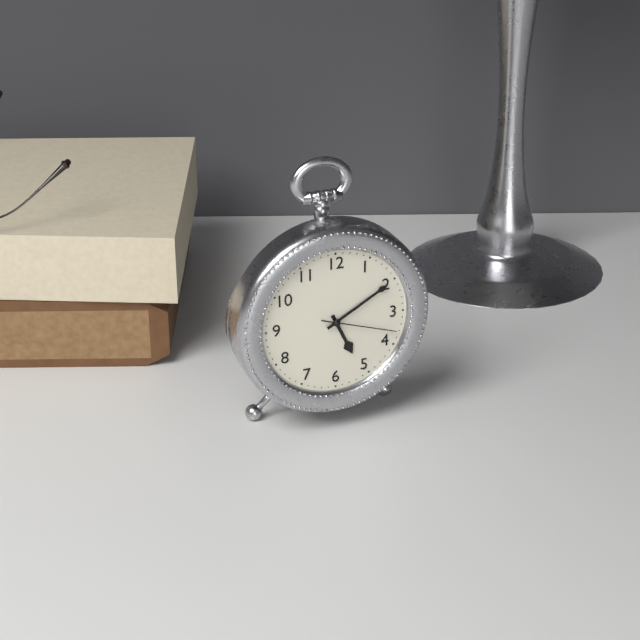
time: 5:10:18
